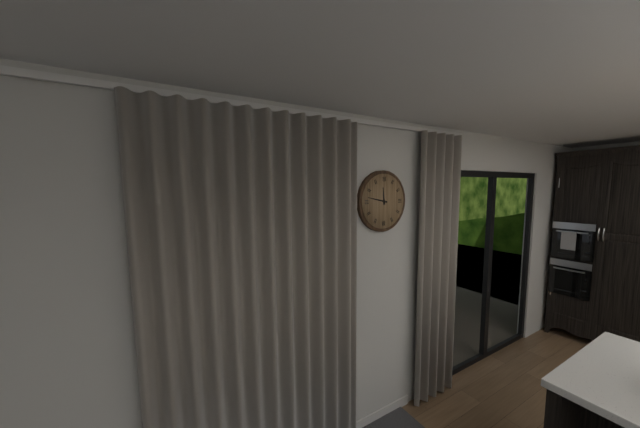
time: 11:47
